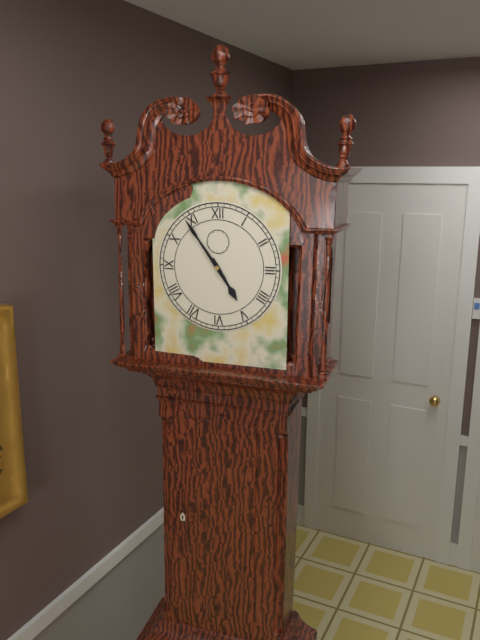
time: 4:54
